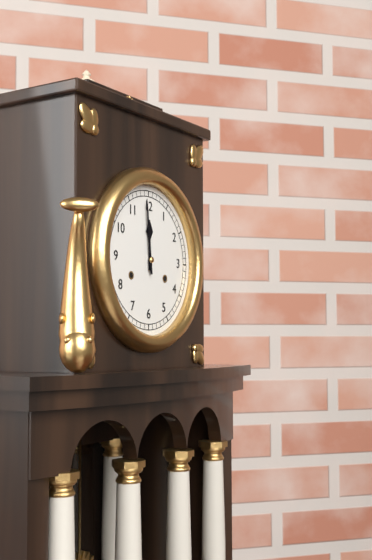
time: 11:59
